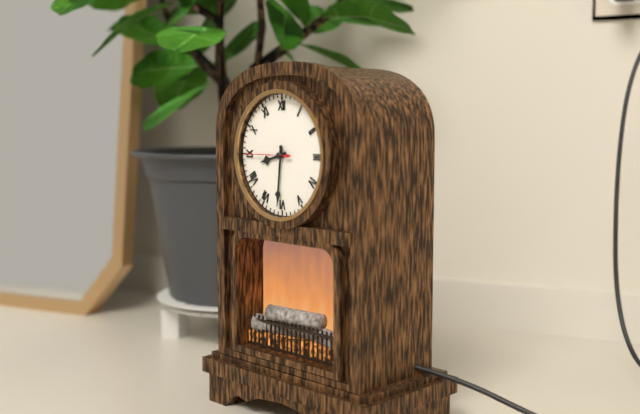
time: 8:31:45
